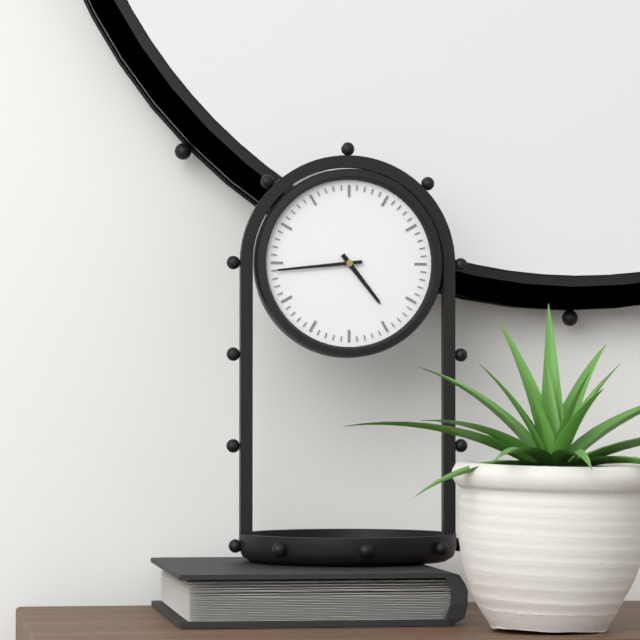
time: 4:44
